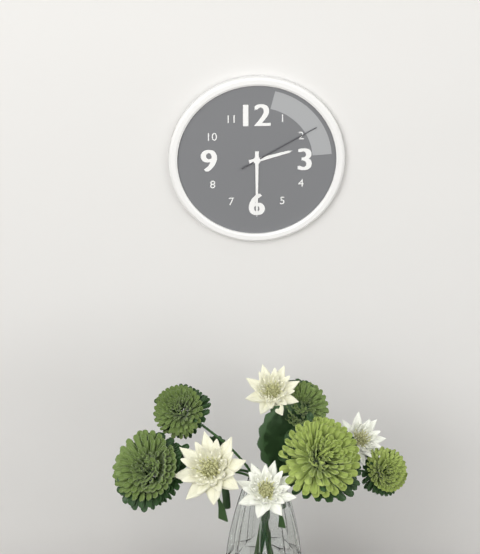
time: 2:30:10
